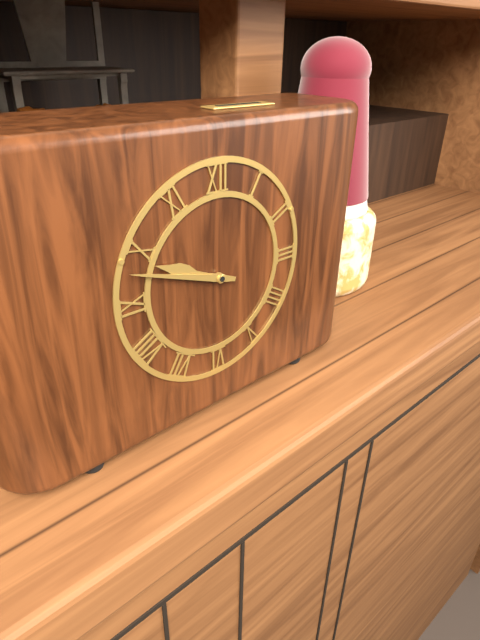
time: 9:48
